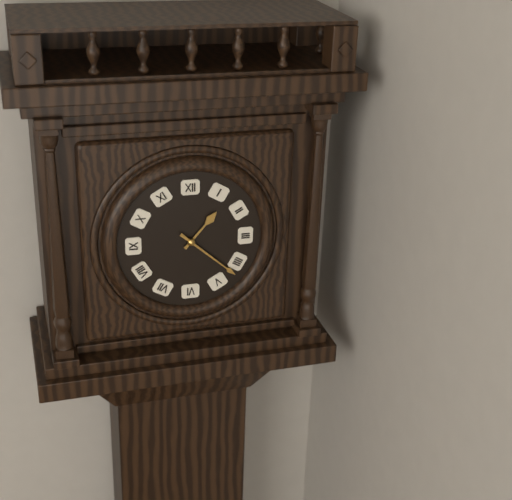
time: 1:22
